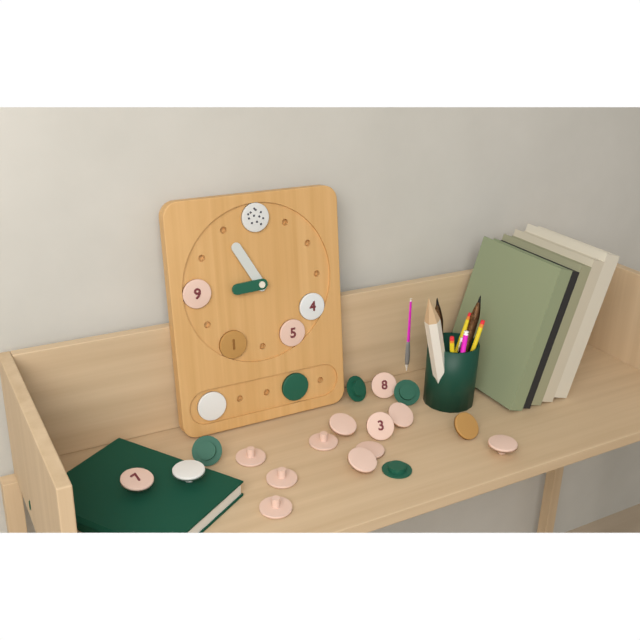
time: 8:55
